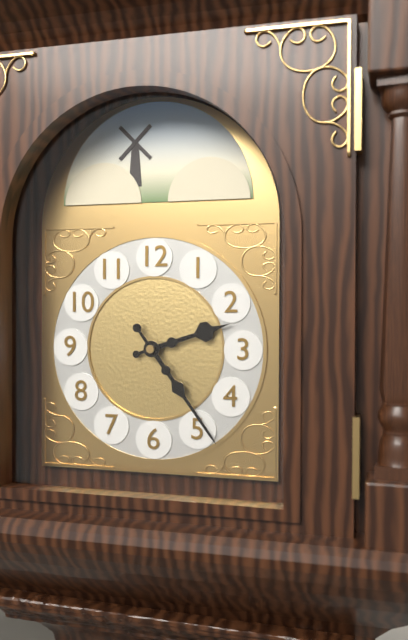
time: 2:24
